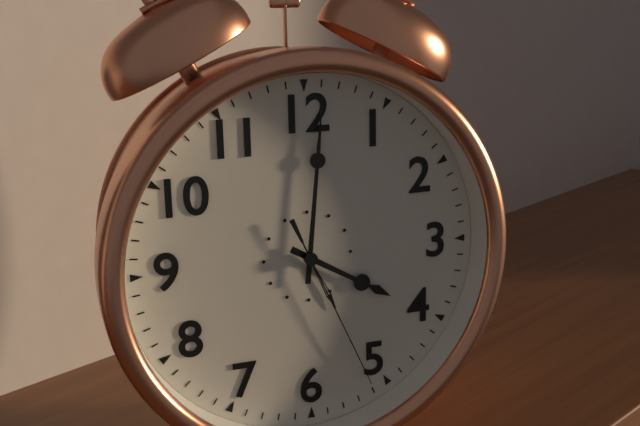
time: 4:01:26
